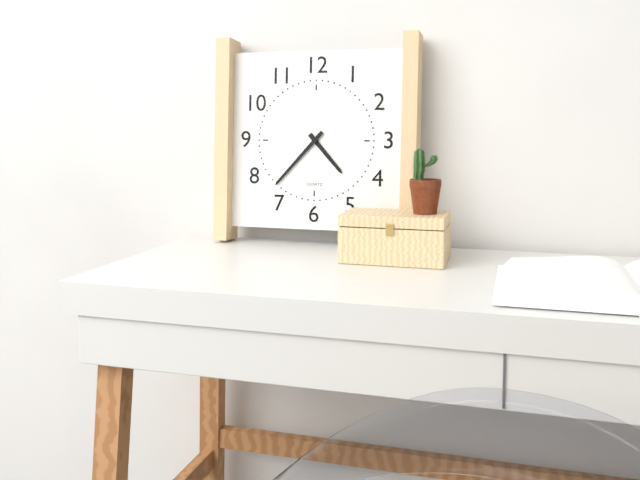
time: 4:37
